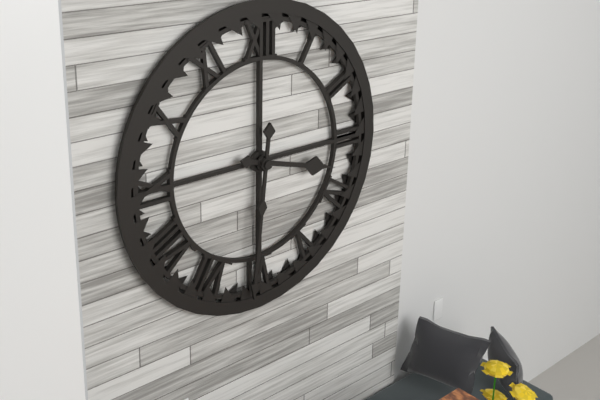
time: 3:31
